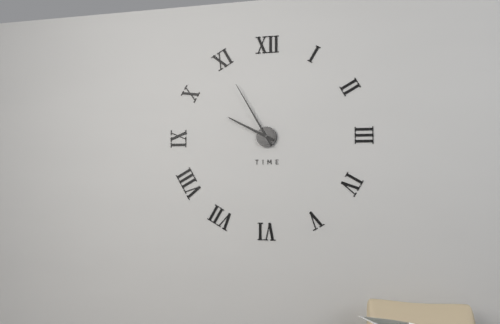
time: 9:55
